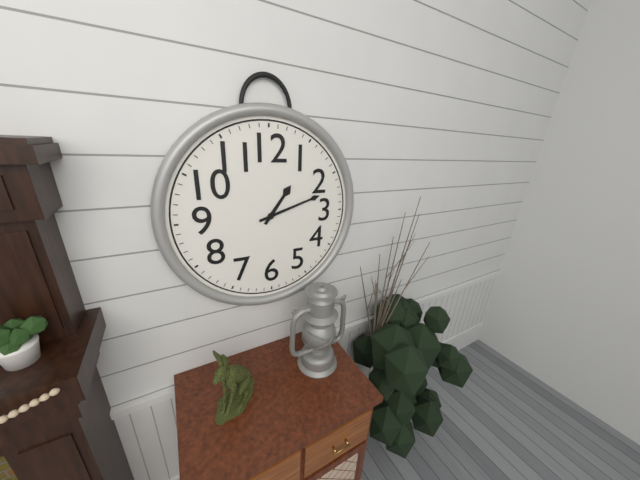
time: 1:12
